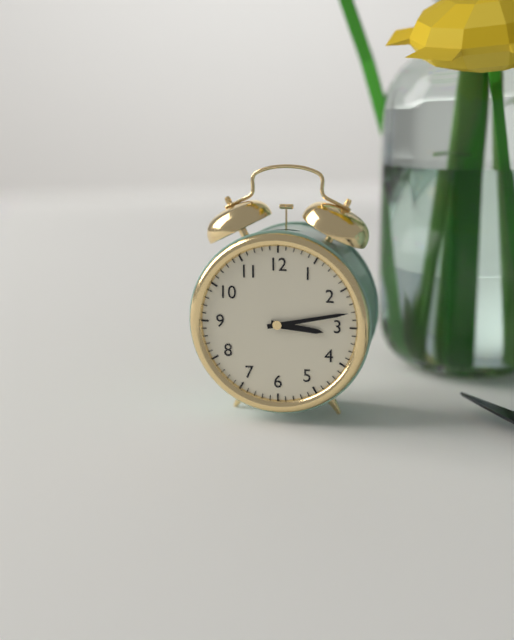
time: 3:13
